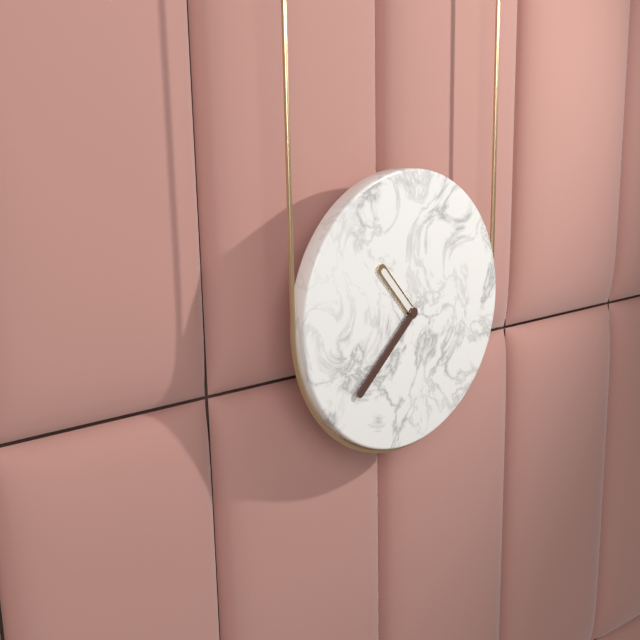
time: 10:38
